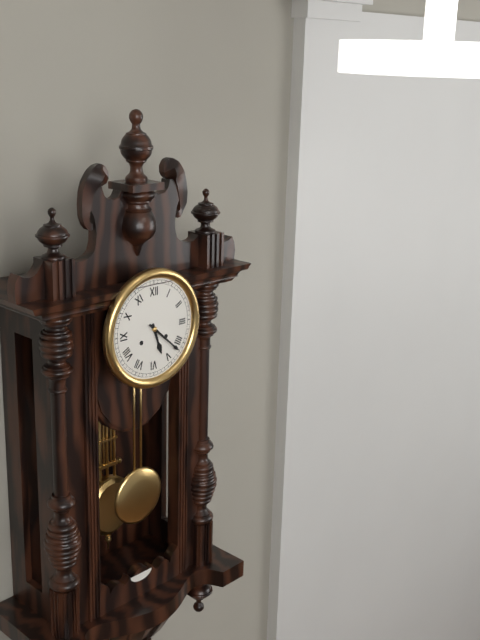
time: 5:22
